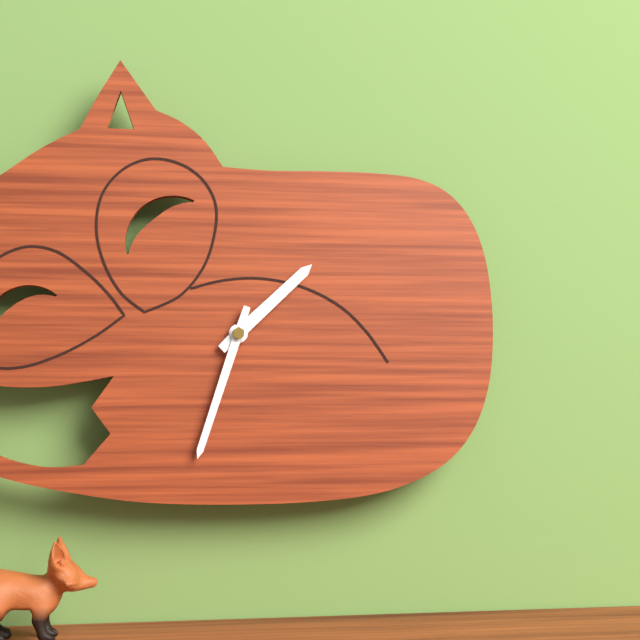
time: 1:33
